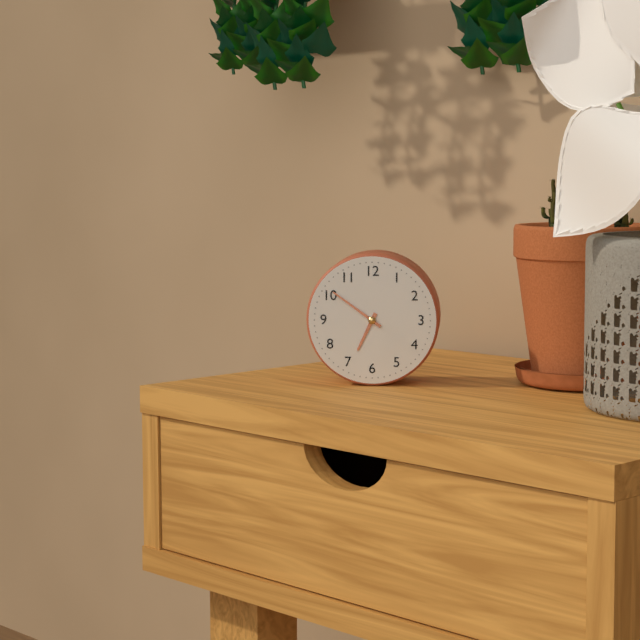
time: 6:51
